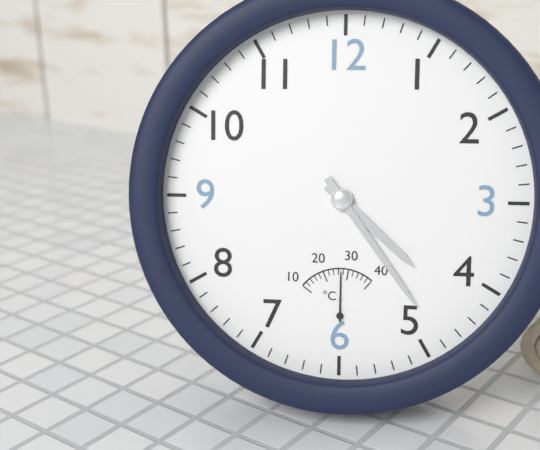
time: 4:24
